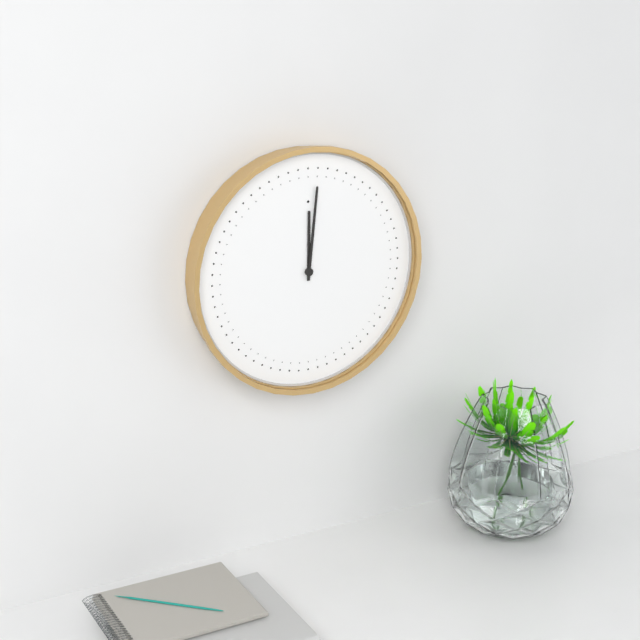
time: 12:01
